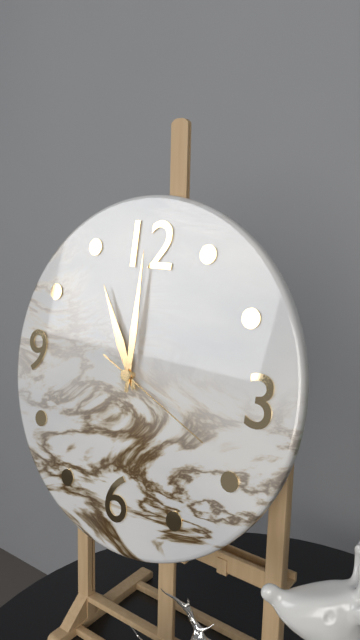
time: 11:00:19
